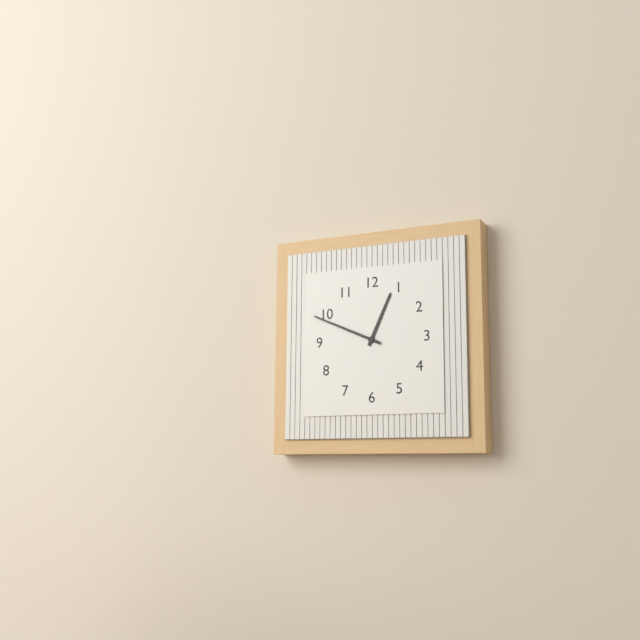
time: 12:49
